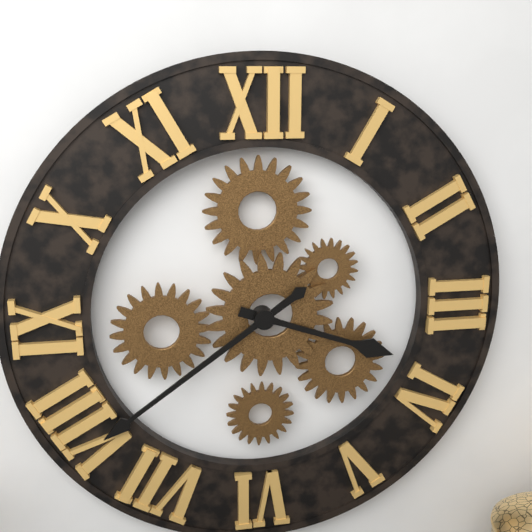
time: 3:39
